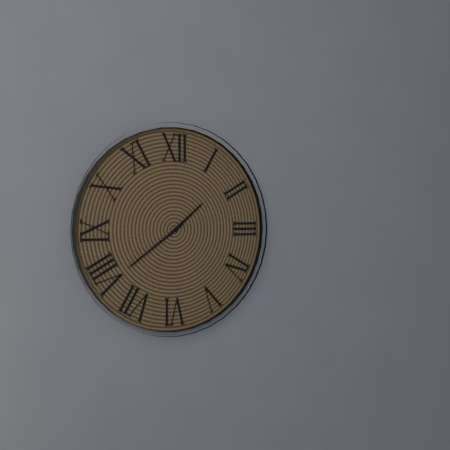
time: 1:39
